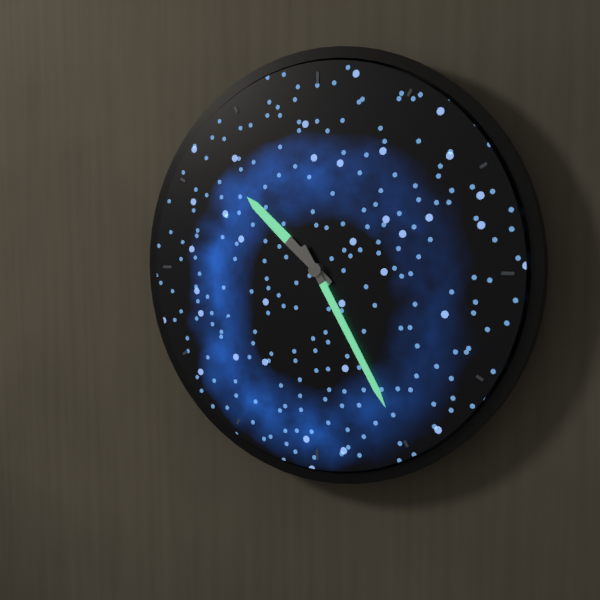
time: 10:25
